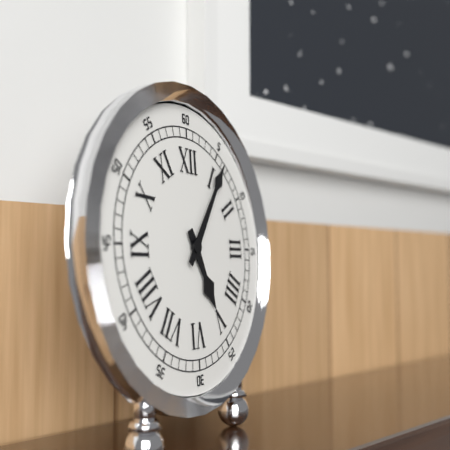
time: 5:06
